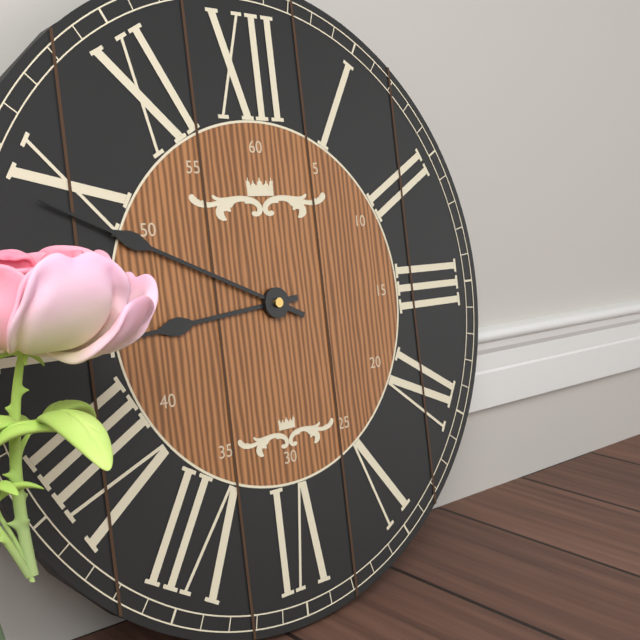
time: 8:49
